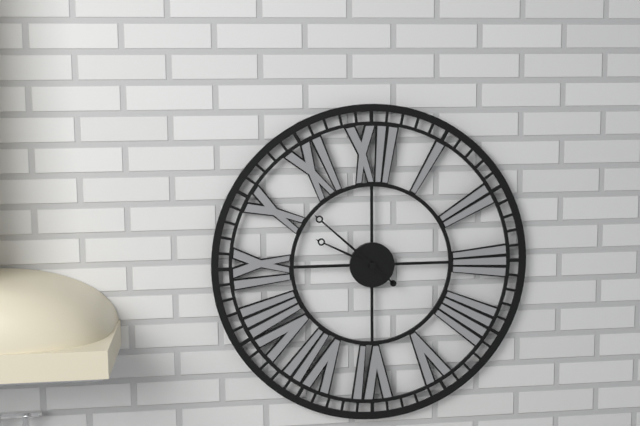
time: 9:52
